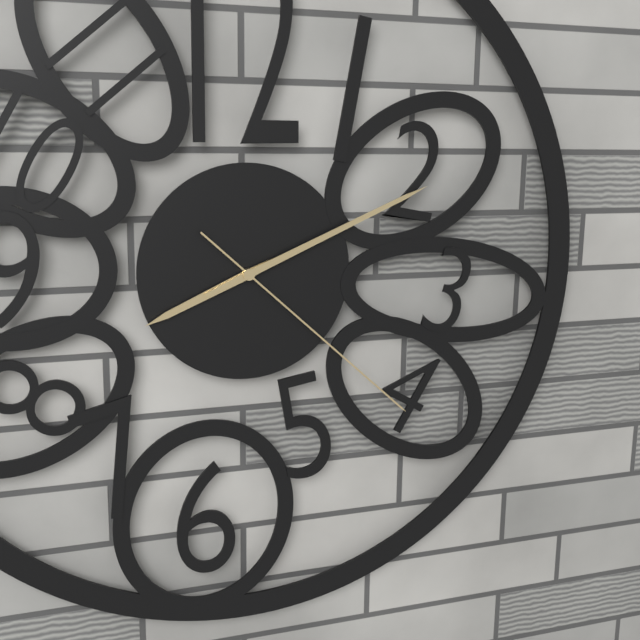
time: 8:11:22
